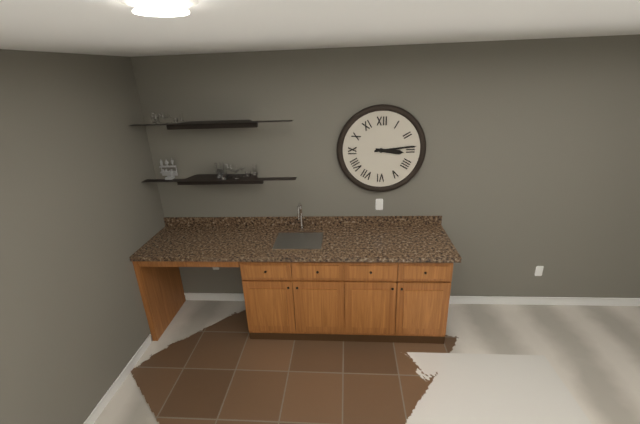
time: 3:14
